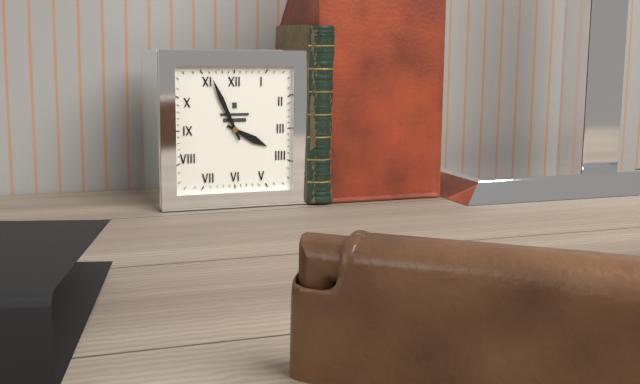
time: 3:56
